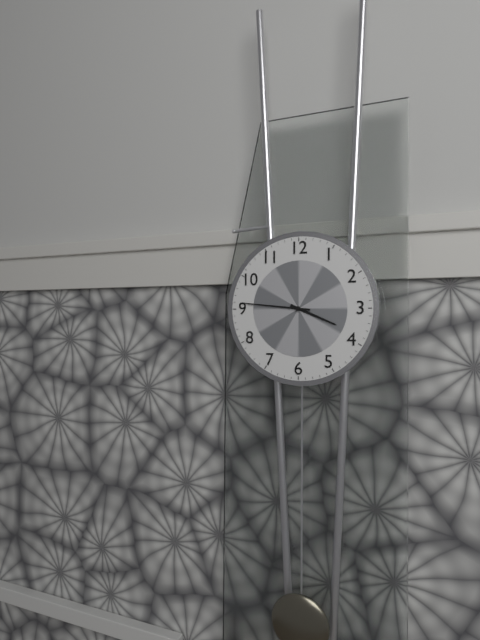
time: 3:46
